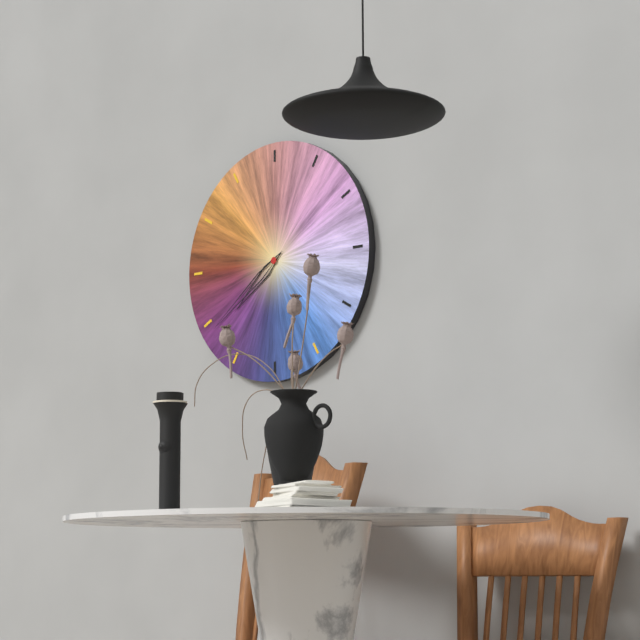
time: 7:39
